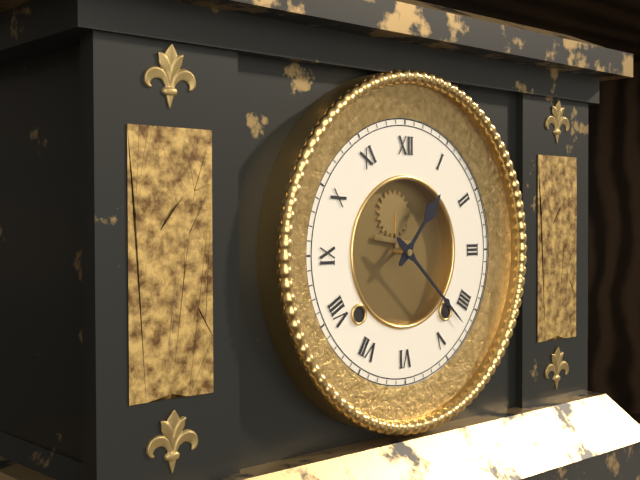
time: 1:22
